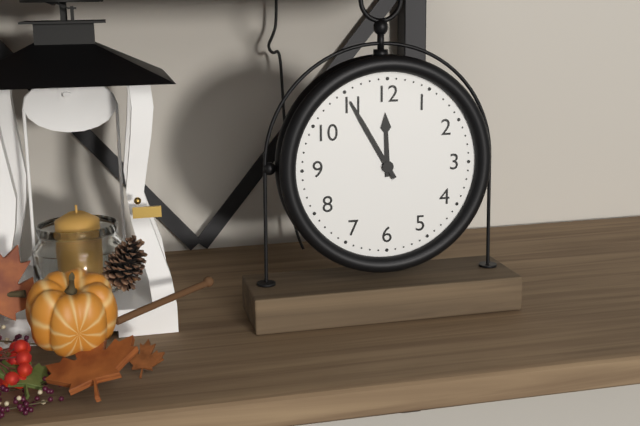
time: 11:55
